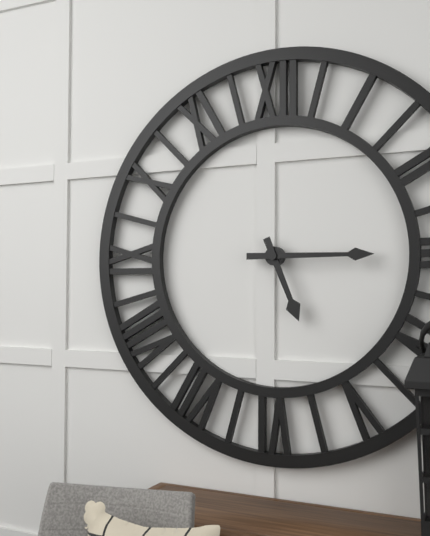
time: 5:15
